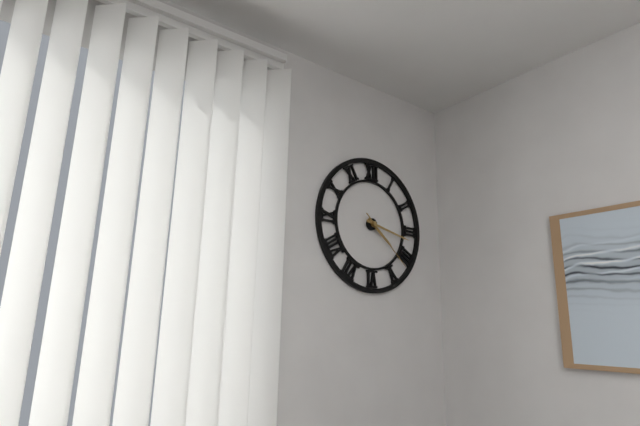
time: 4:17:22
